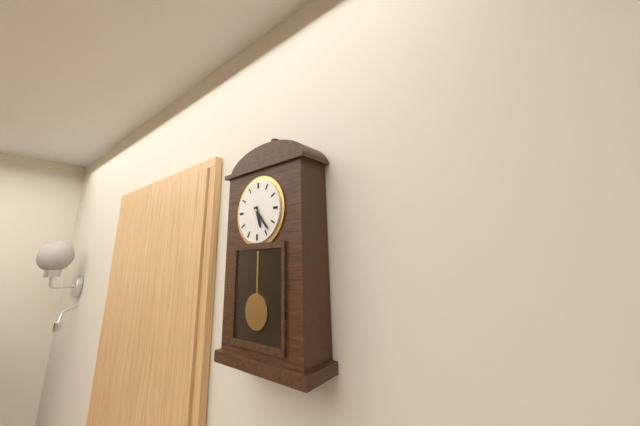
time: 5:23
